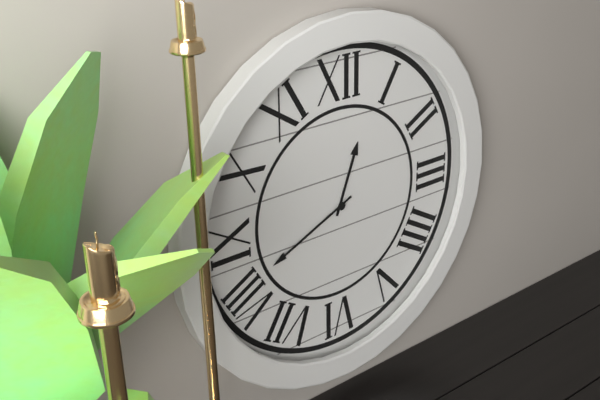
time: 12:41
